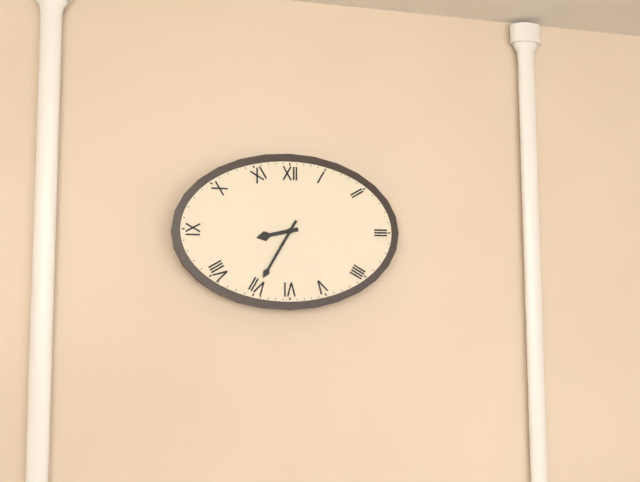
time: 8:35
